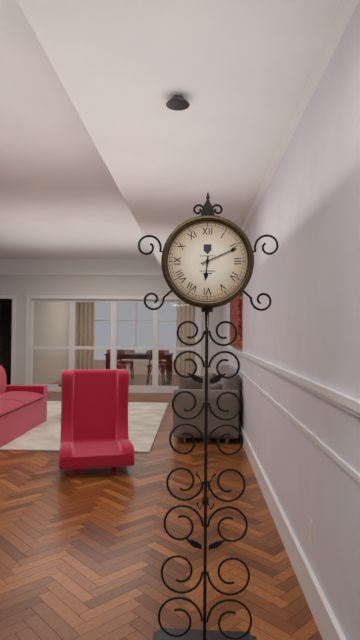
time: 6:11
